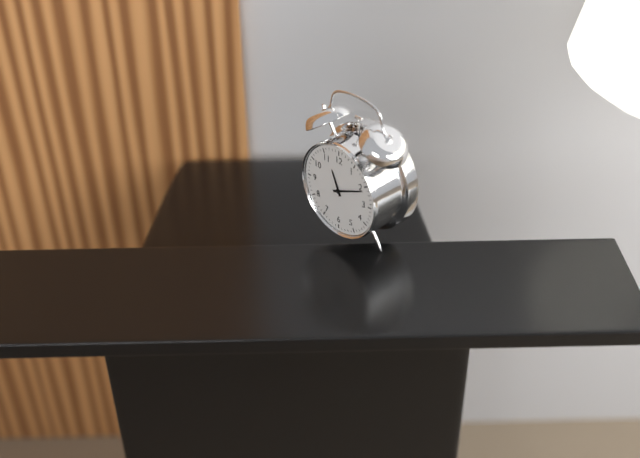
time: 11:11
